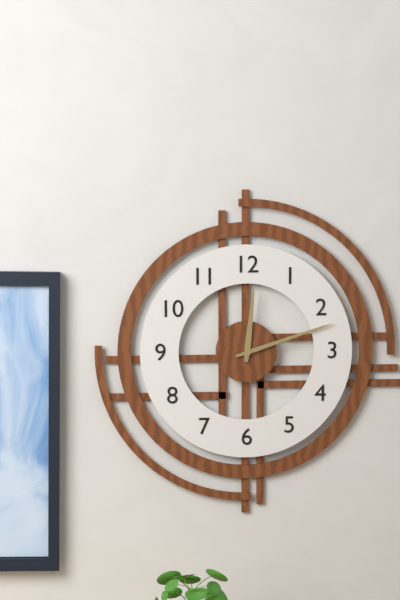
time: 12:12
